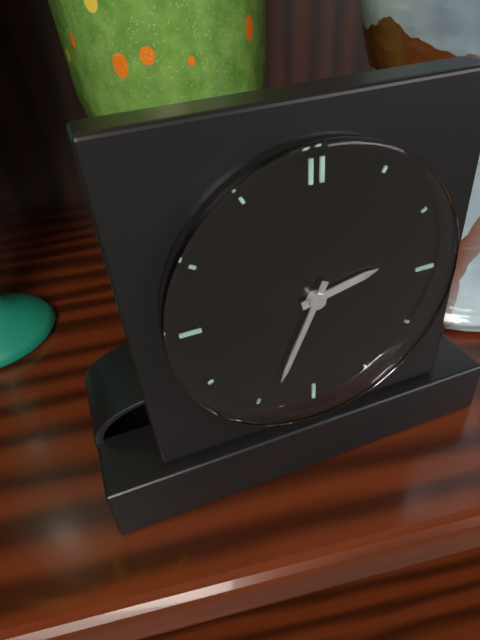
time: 2:34
